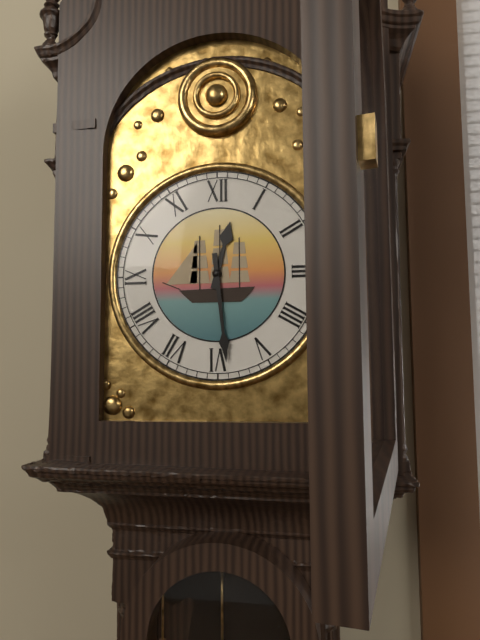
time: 12:29
